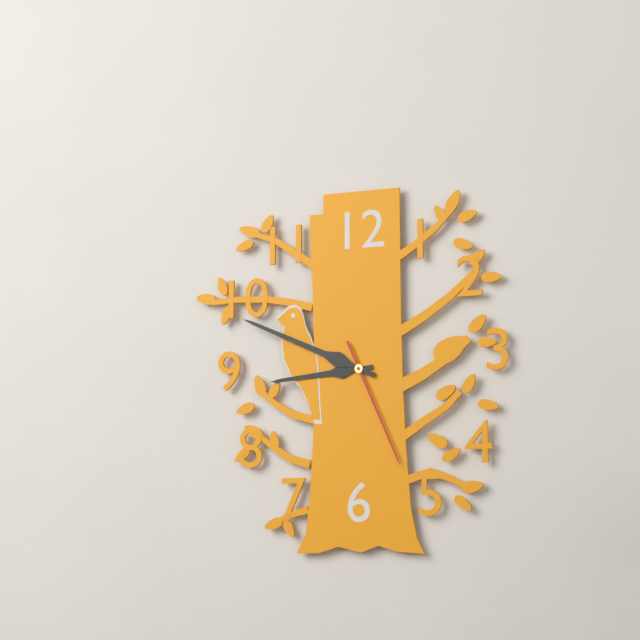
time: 8:49:26
